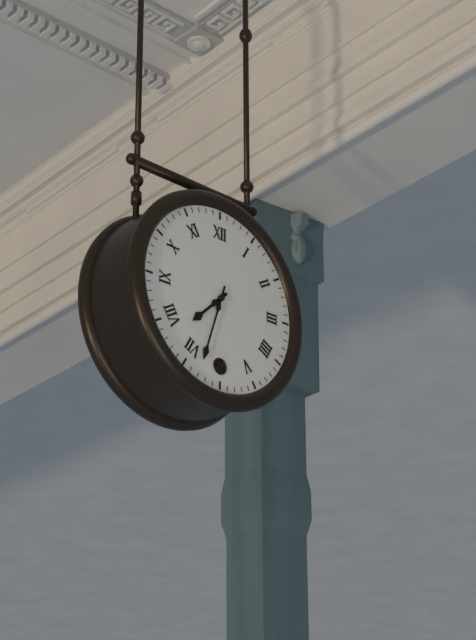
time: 7:33
